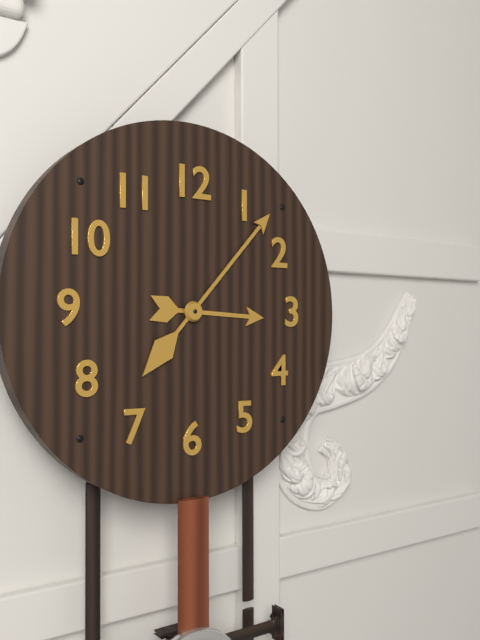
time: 3:07
